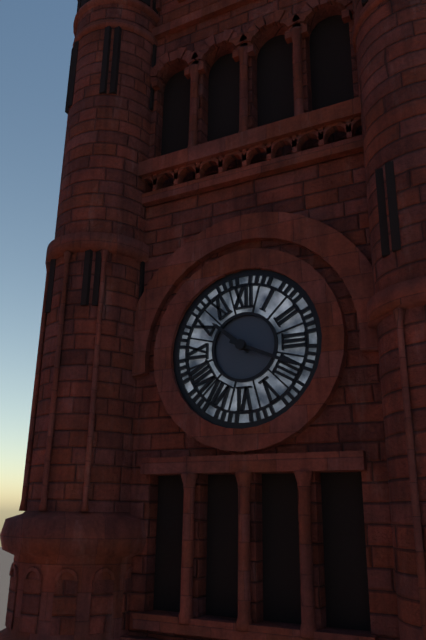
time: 10:19
